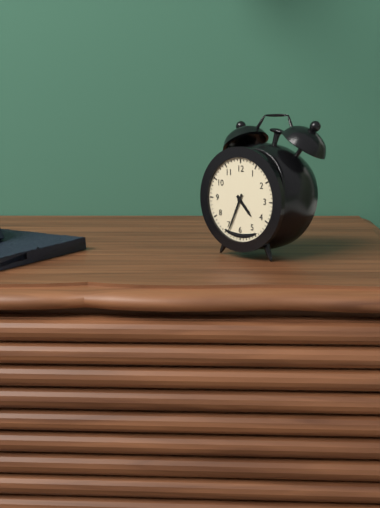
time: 4:34
